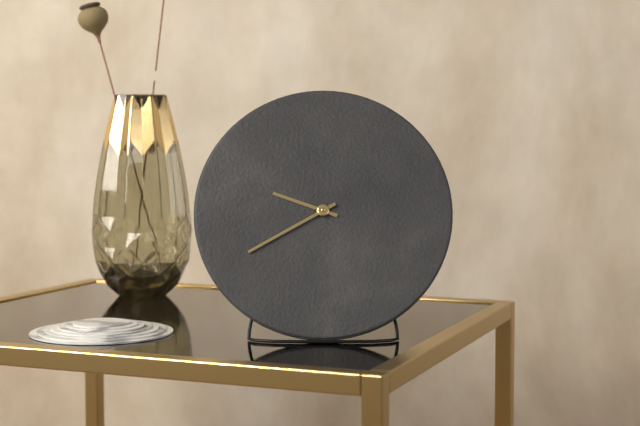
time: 9:40
